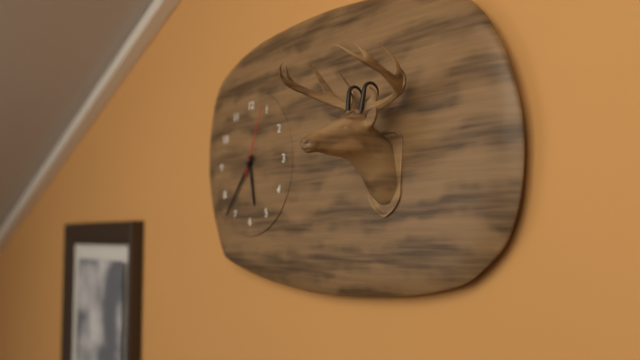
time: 5:37:04
